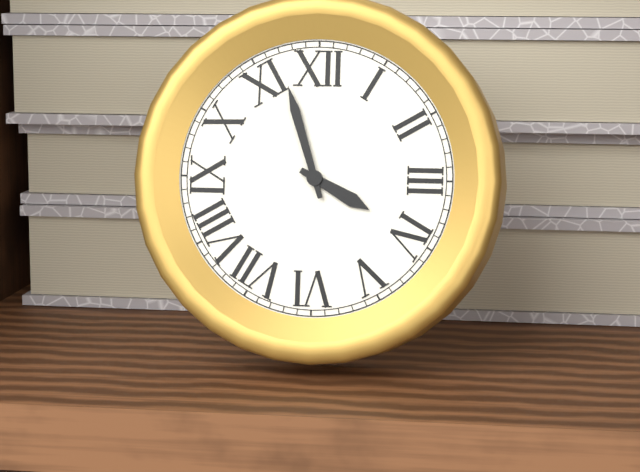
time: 3:57
